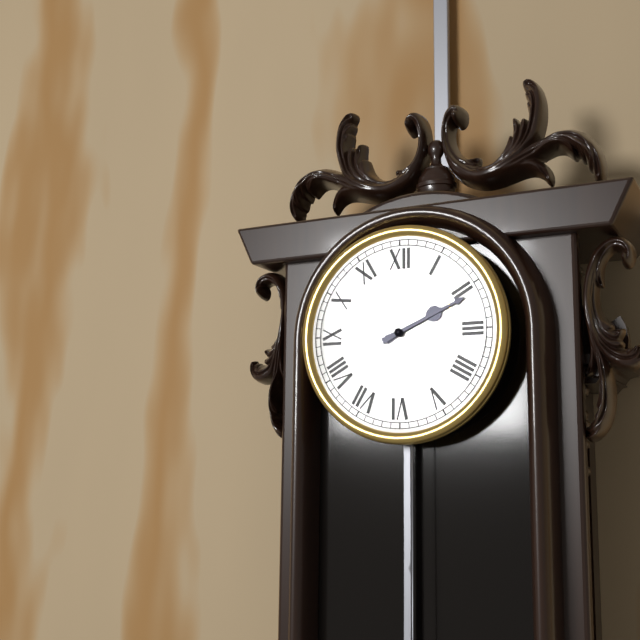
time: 2:11
